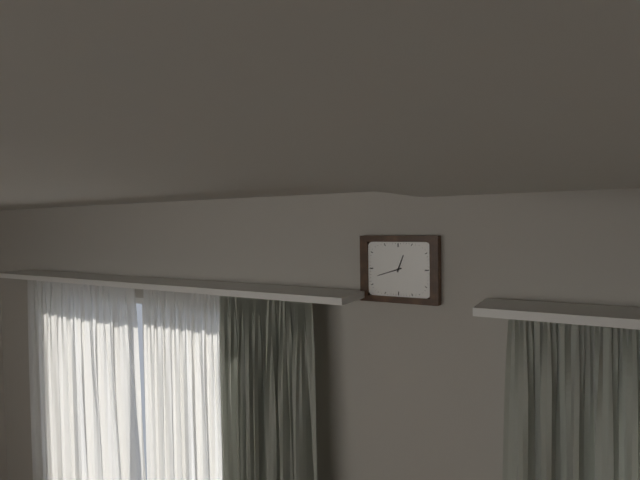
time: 12:42
